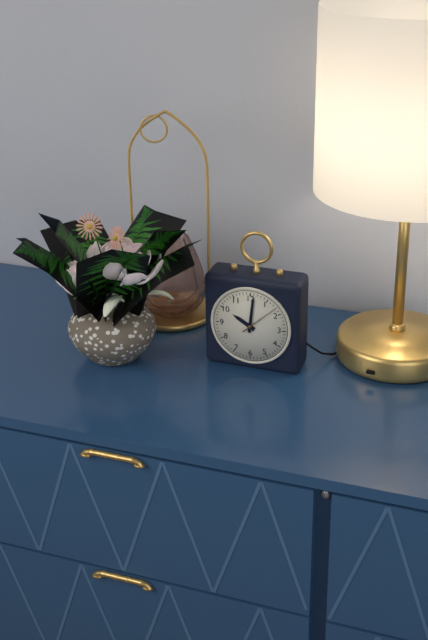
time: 10:01
